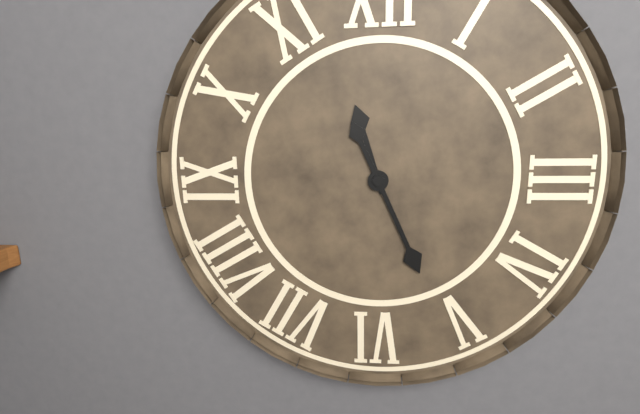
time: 11:26
